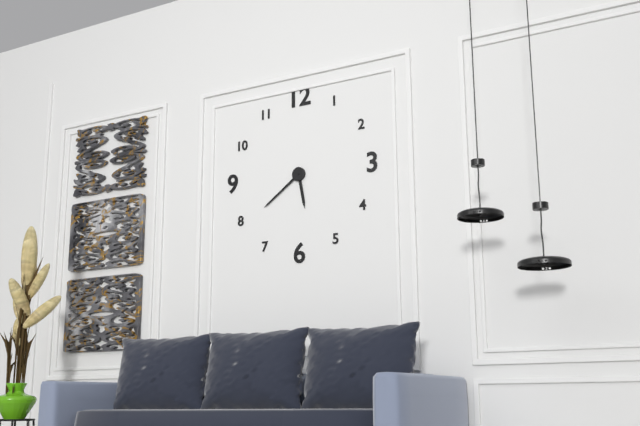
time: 5:39
